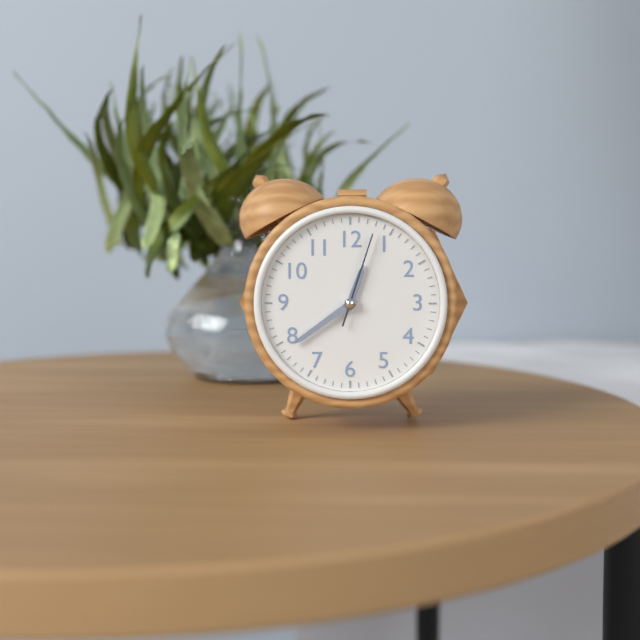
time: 12:39:03
